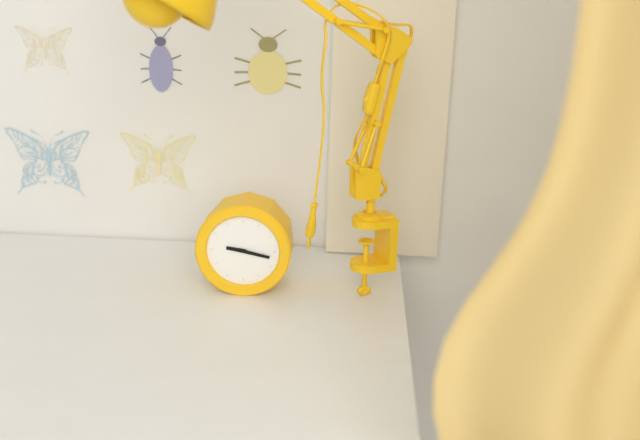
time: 9:17
